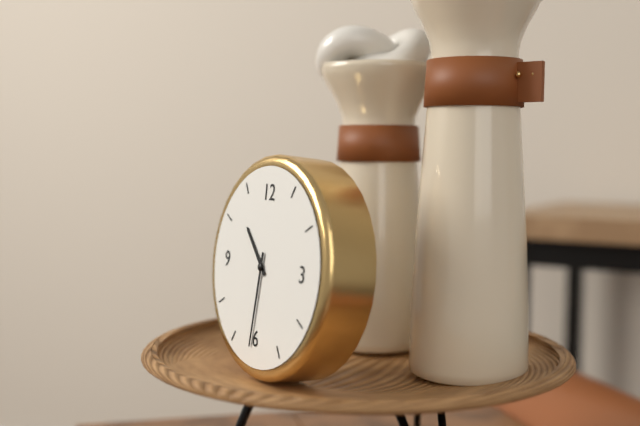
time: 10:31
